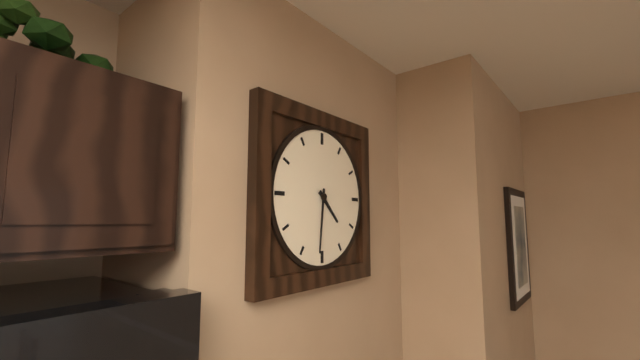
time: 4:31
